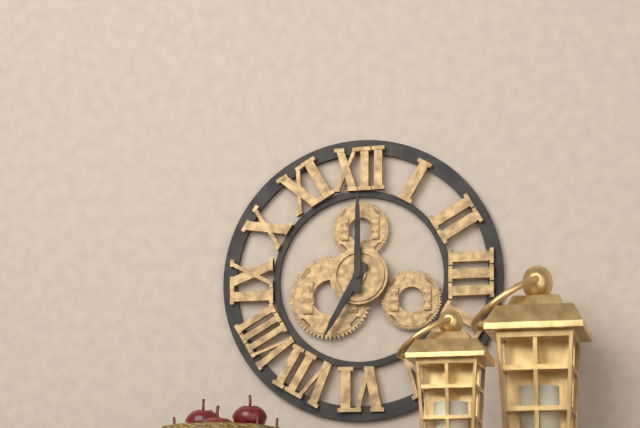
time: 7:00
